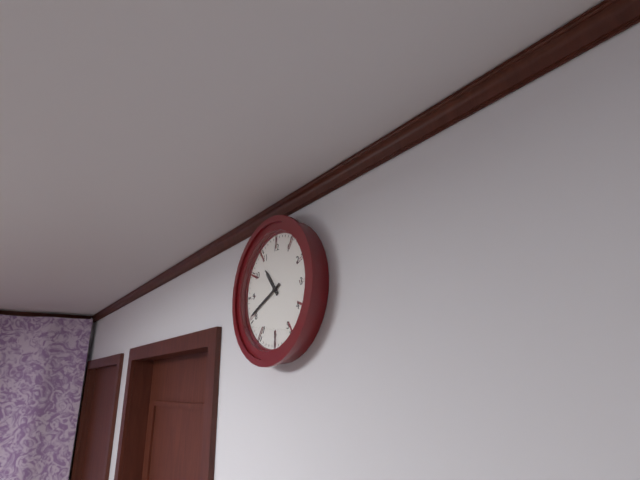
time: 10:41
